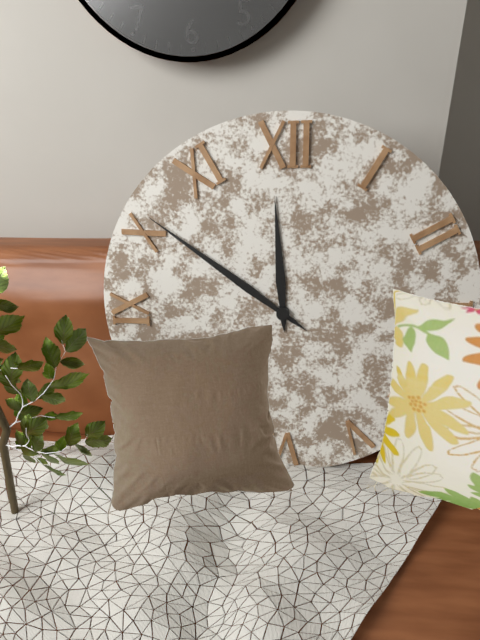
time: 11:51
